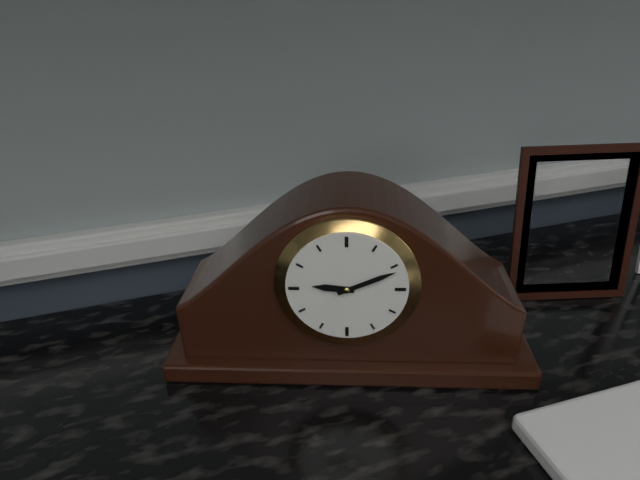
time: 9:11
